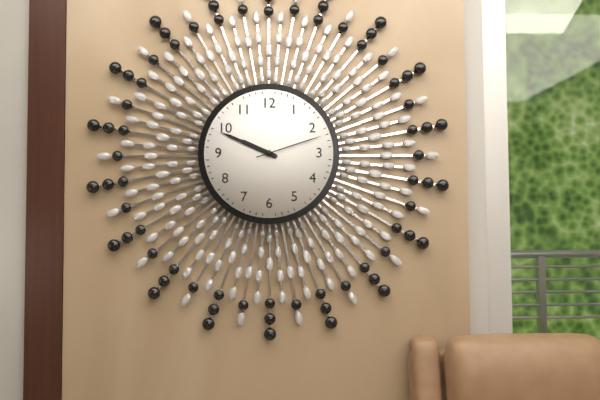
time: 9:49:12
